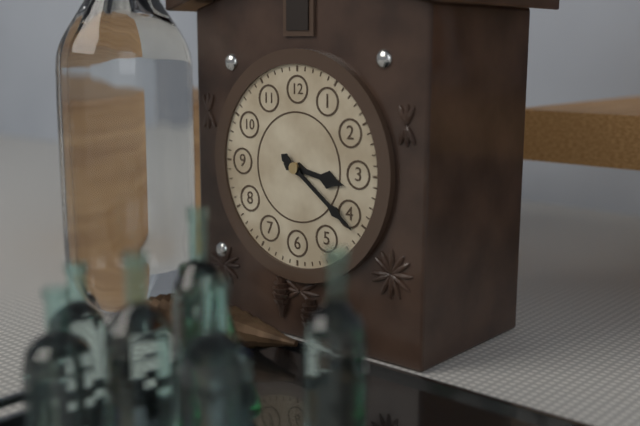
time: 3:21
